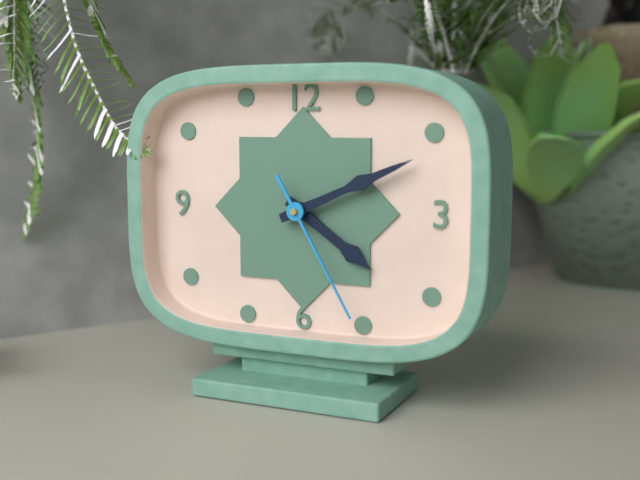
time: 4:11:25
